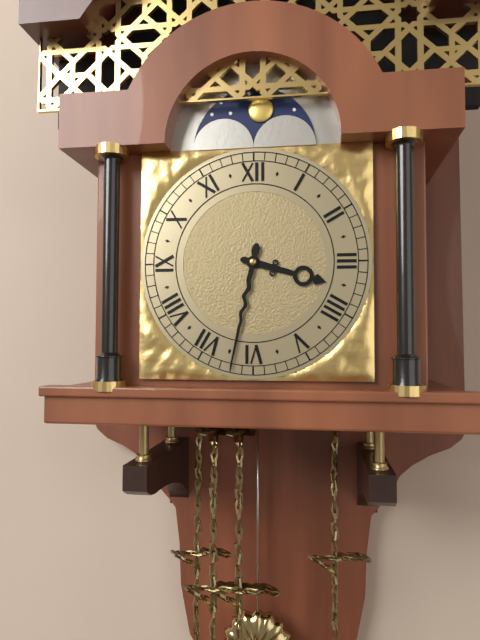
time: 3:32
